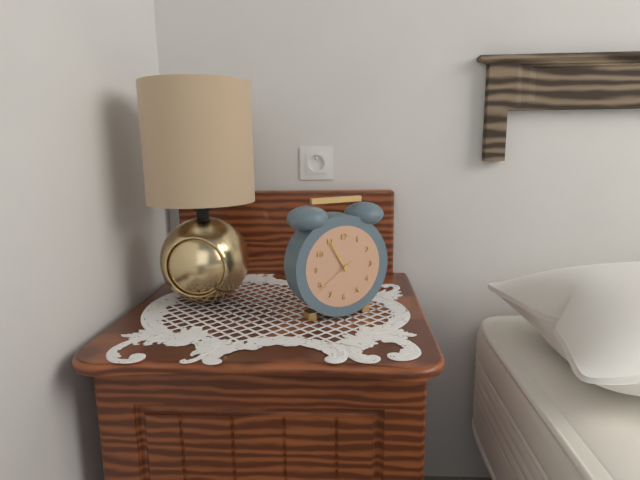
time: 10:55
